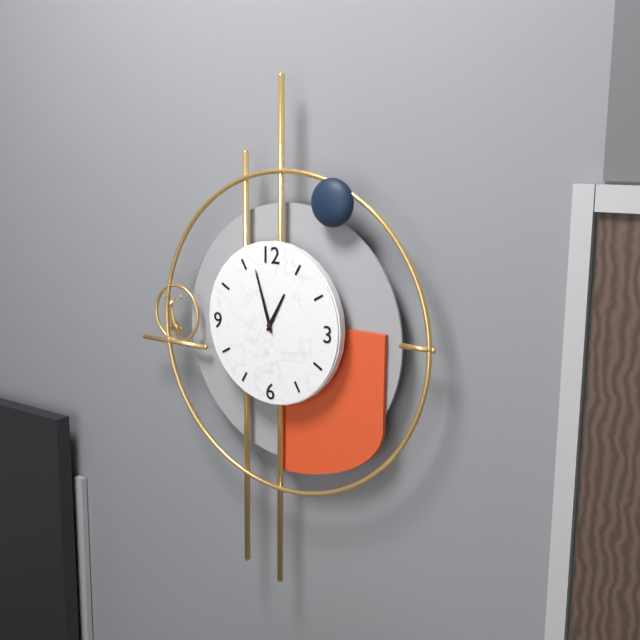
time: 12:57
